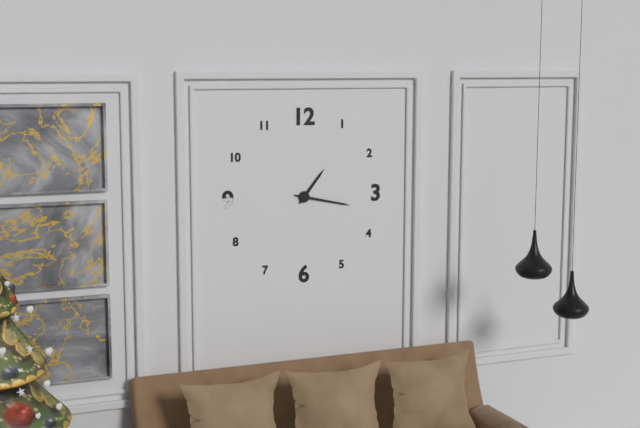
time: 1:17
